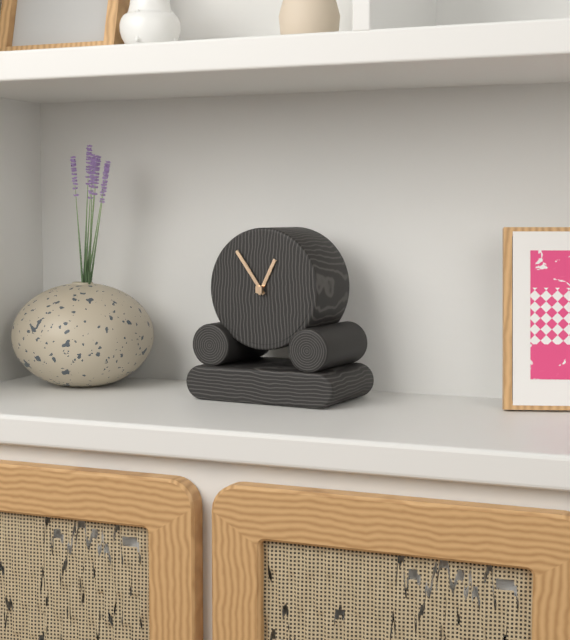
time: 12:54
